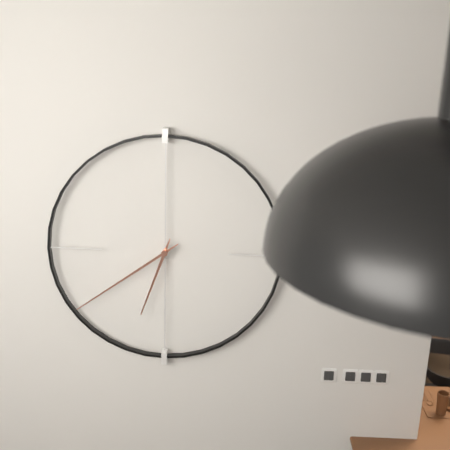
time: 6:39
